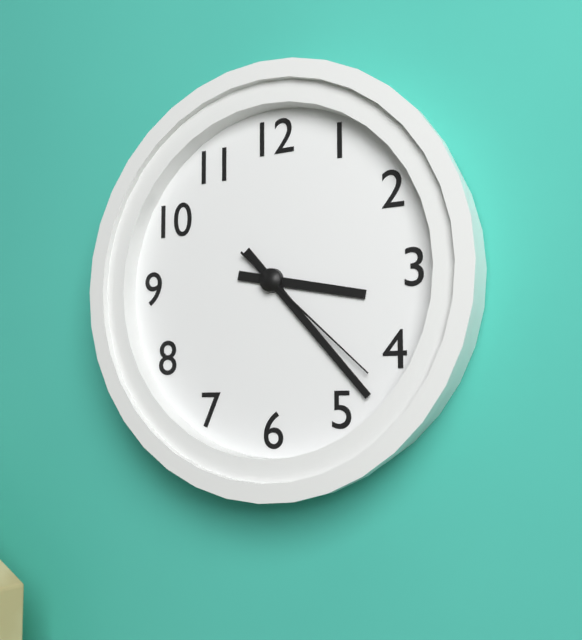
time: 3:23:22
